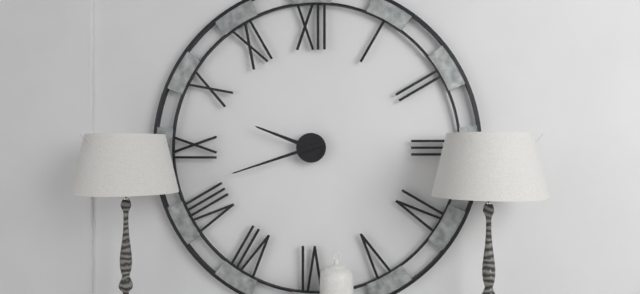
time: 9:42
